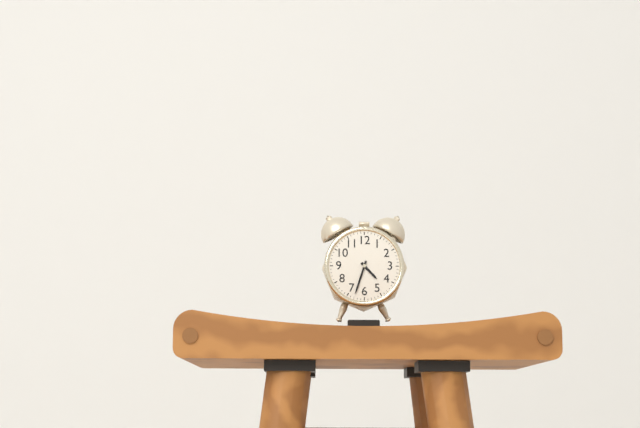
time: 4:33
